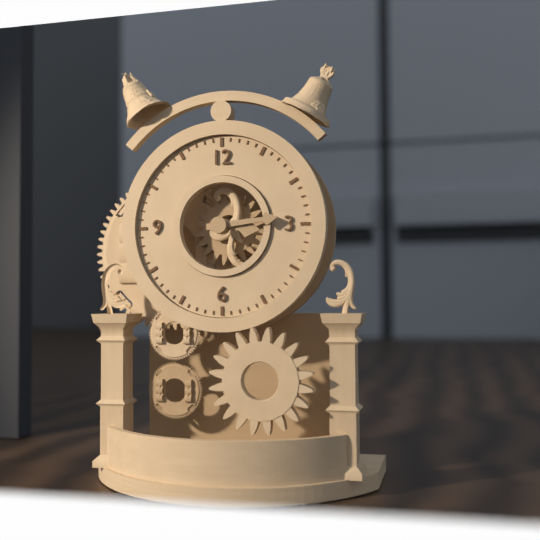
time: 3:14
